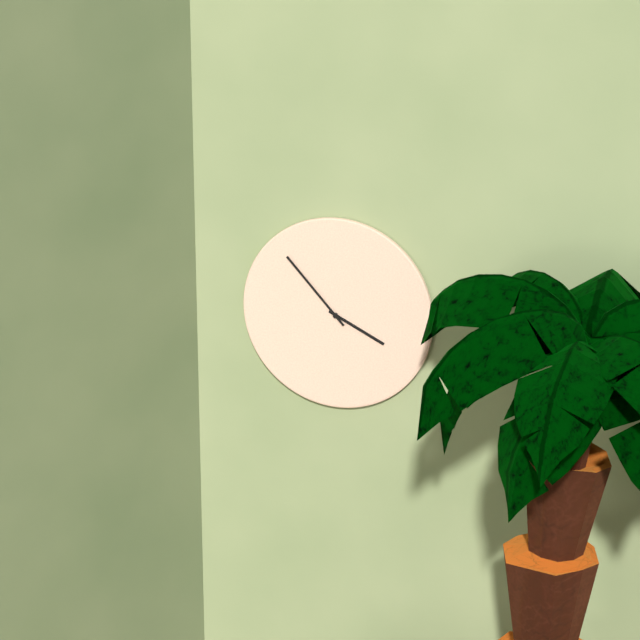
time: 3:53
